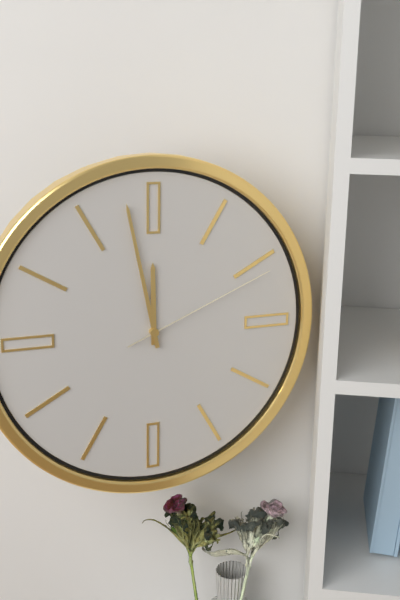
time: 11:58:11
